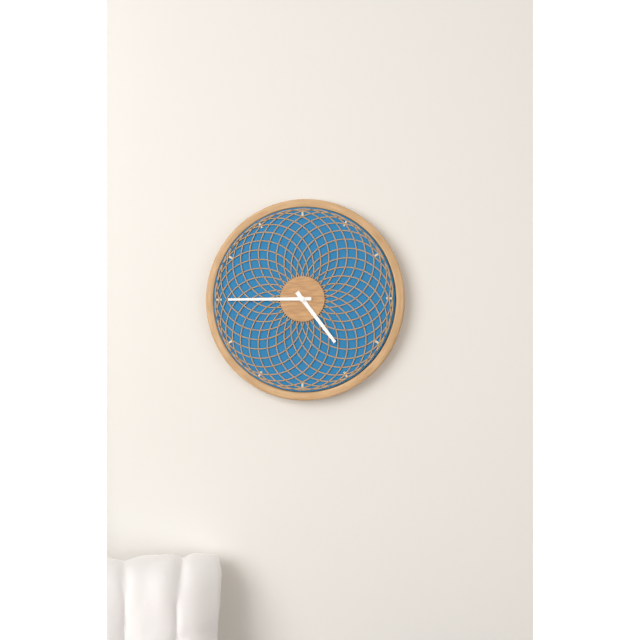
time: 4:45
